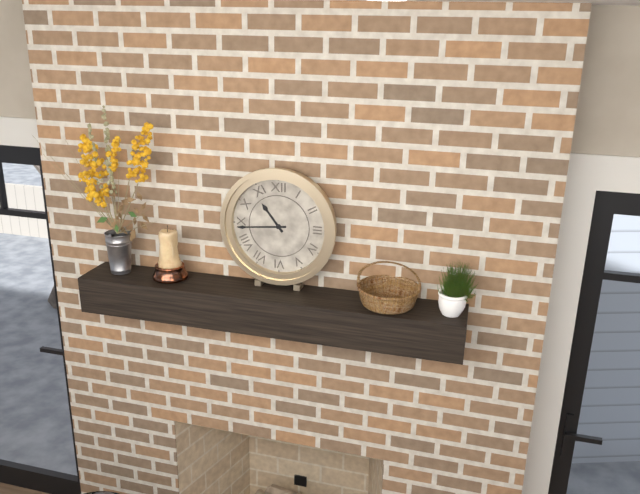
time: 10:44
